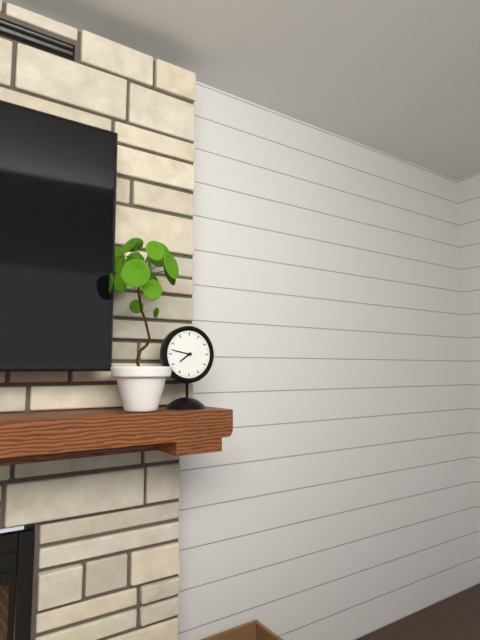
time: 7:47
